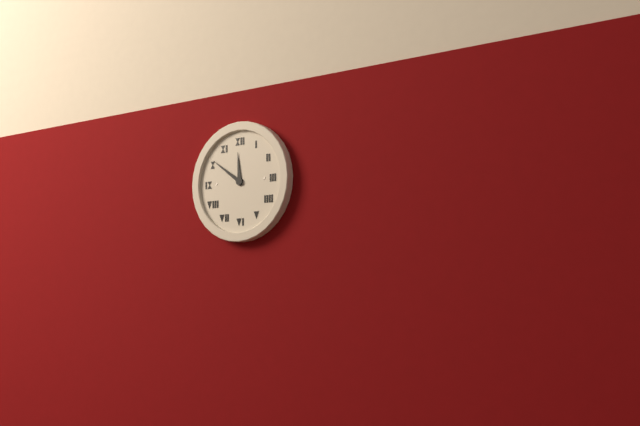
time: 11:51
